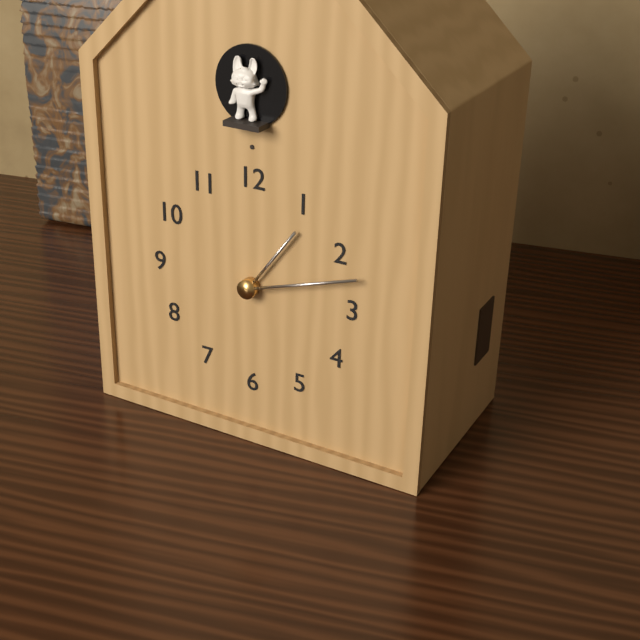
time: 1:12
